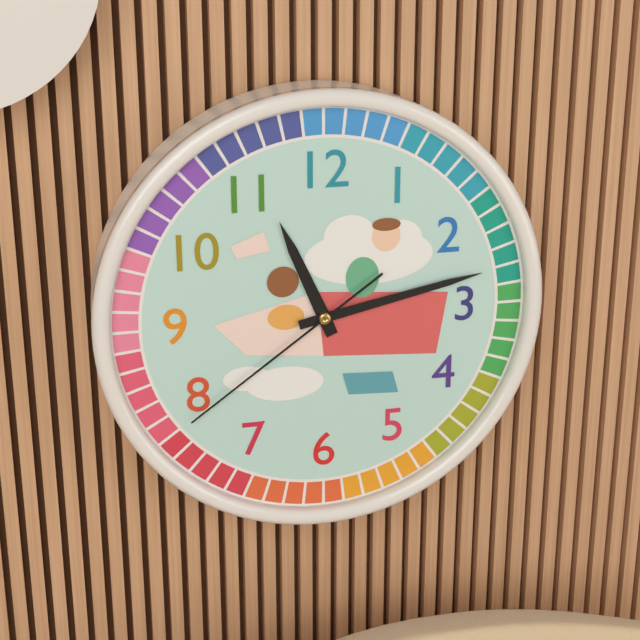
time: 11:13:39
